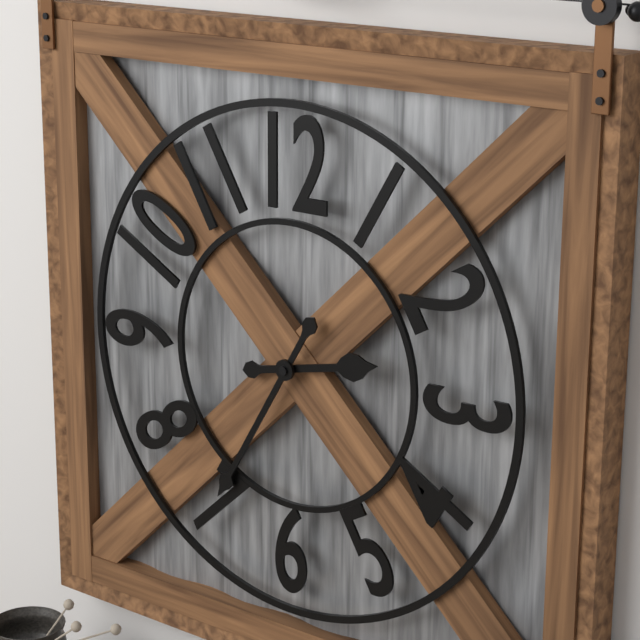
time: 2:35
